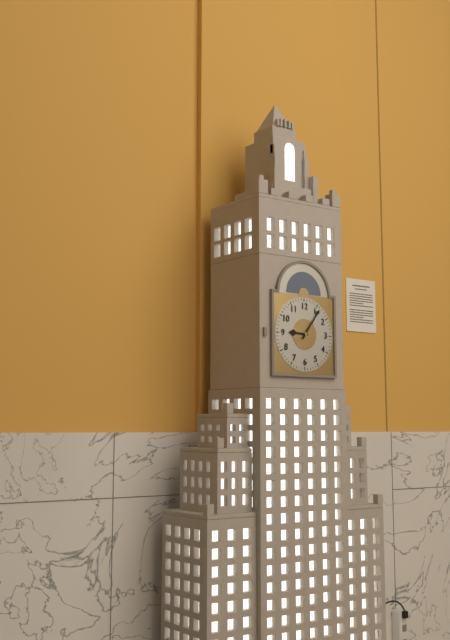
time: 9:06
